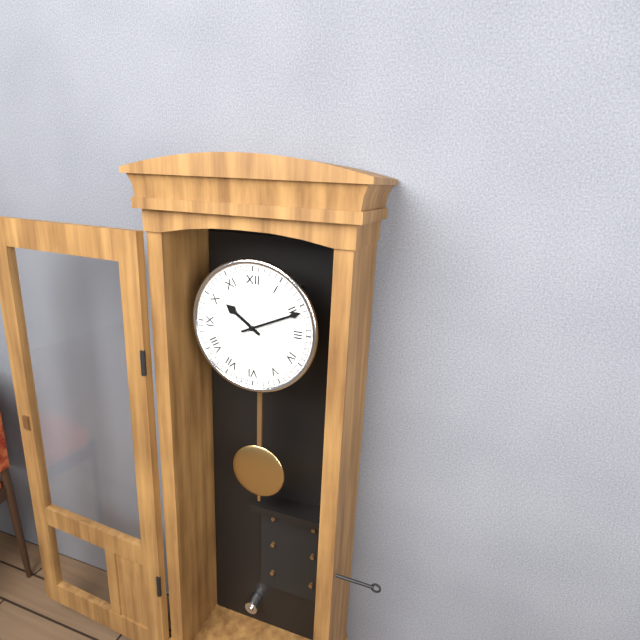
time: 10:11
